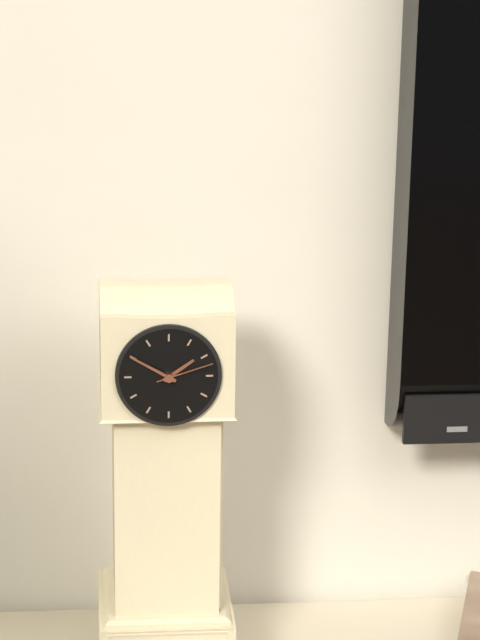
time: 1:50:12
